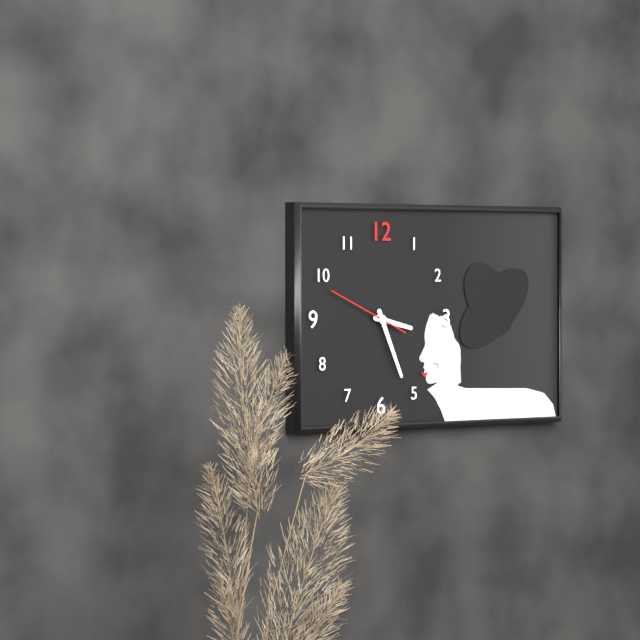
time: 3:26:49
